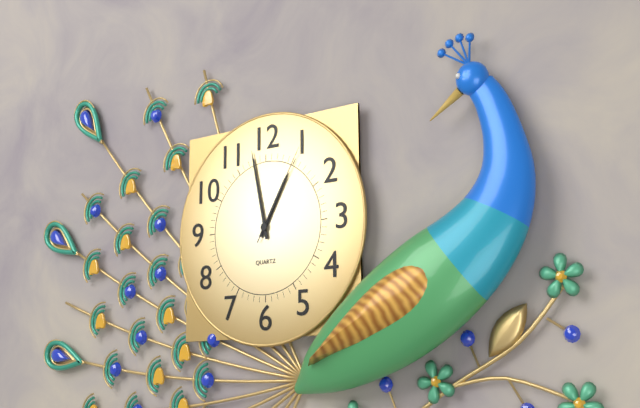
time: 12:58:05
